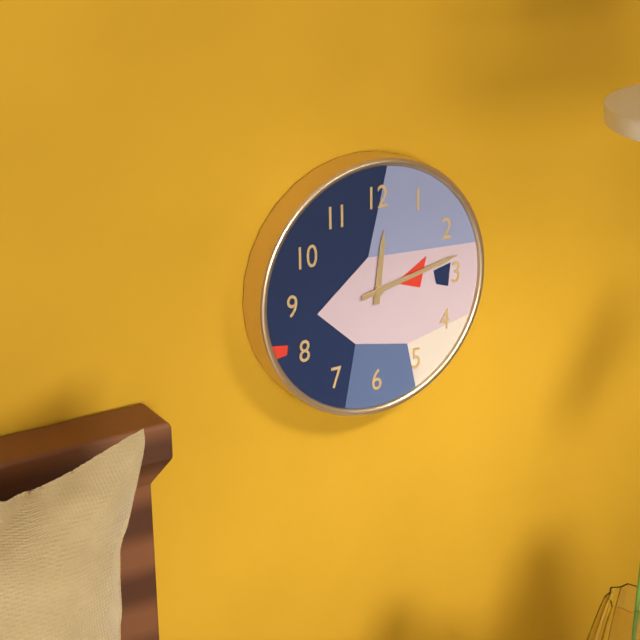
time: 12:13
